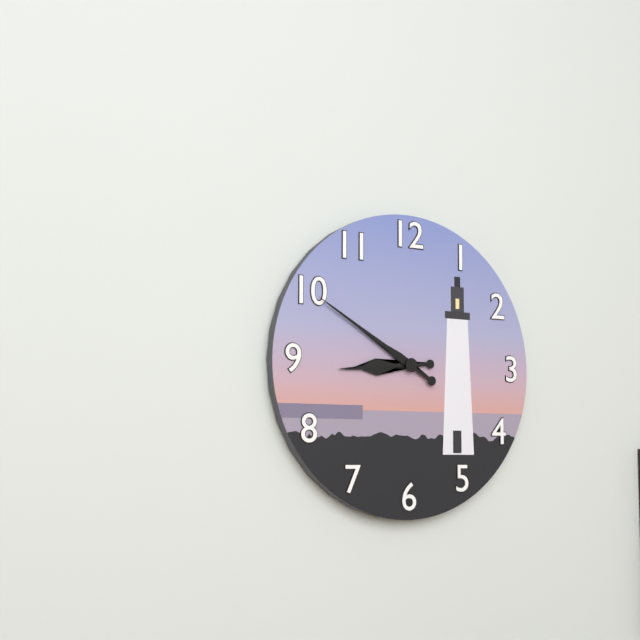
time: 8:50
